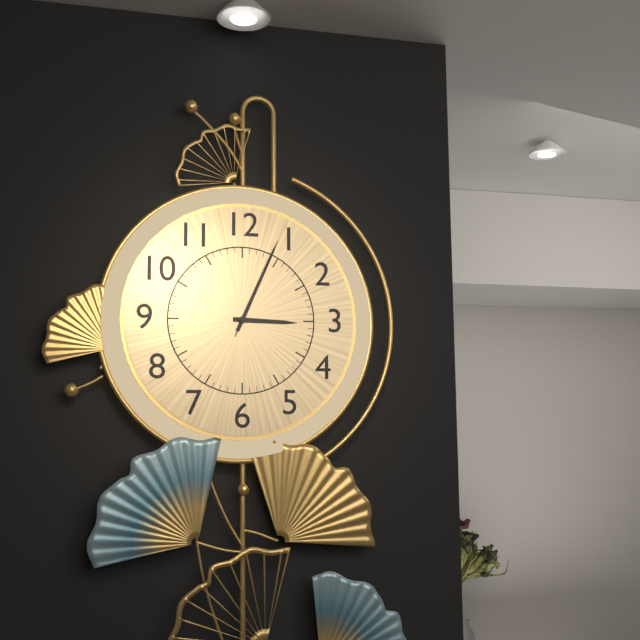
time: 3:04:04
